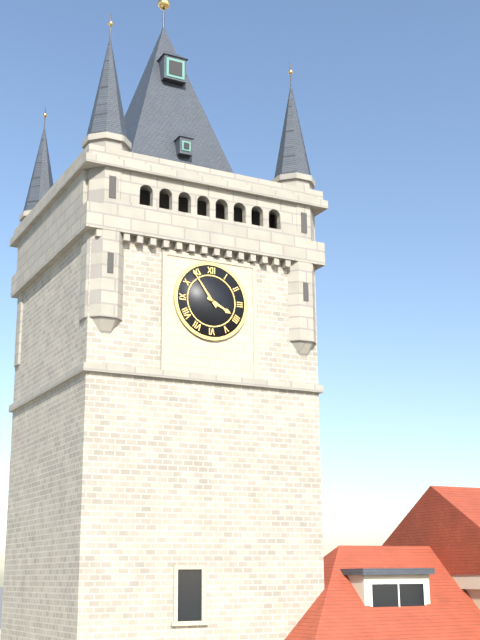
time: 3:54
